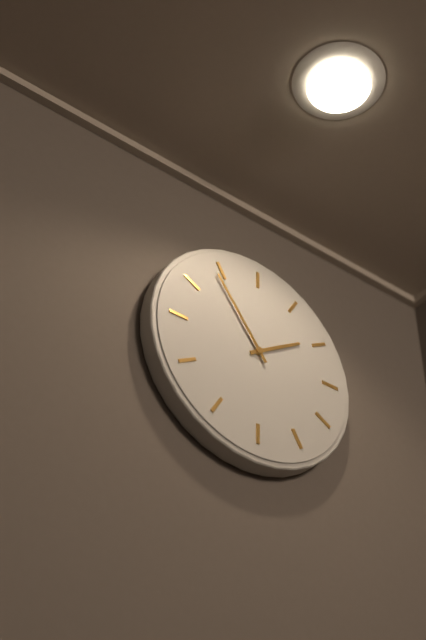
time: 1:54
